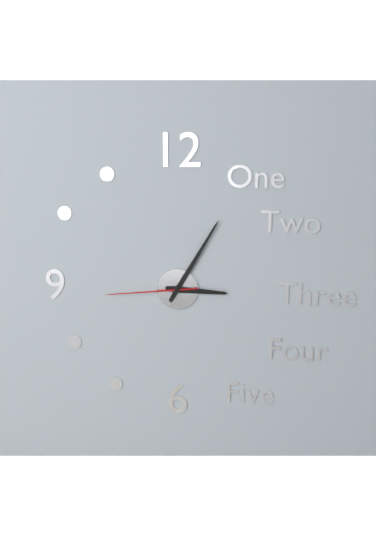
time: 3:05:44
